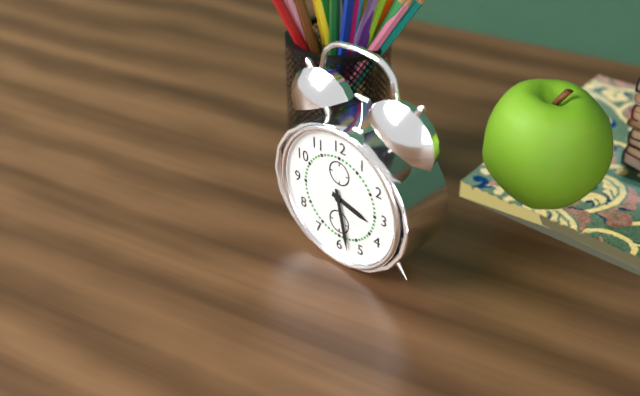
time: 3:28
